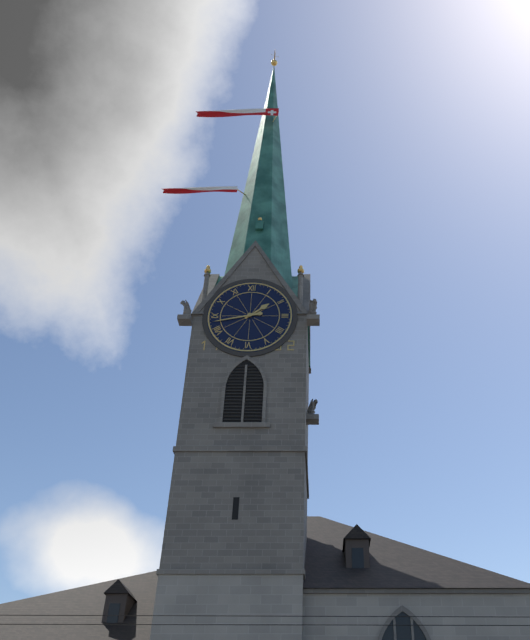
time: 1:43
